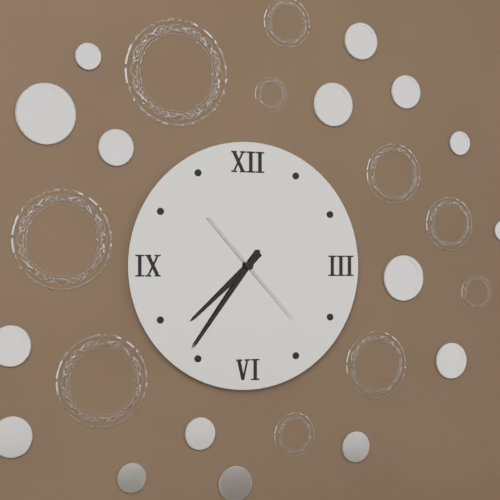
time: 7:36:23
